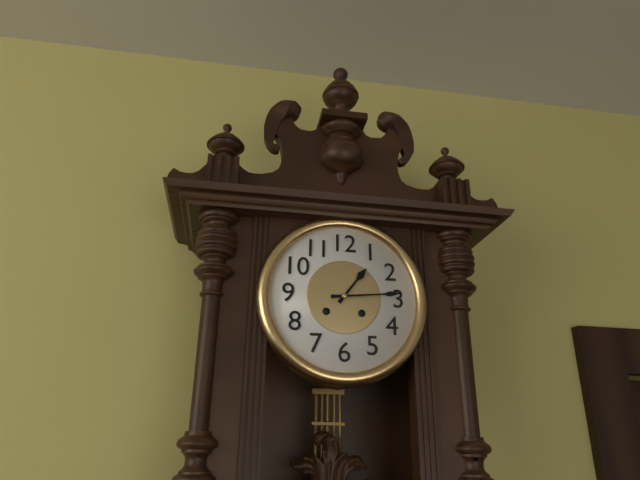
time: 1:14
